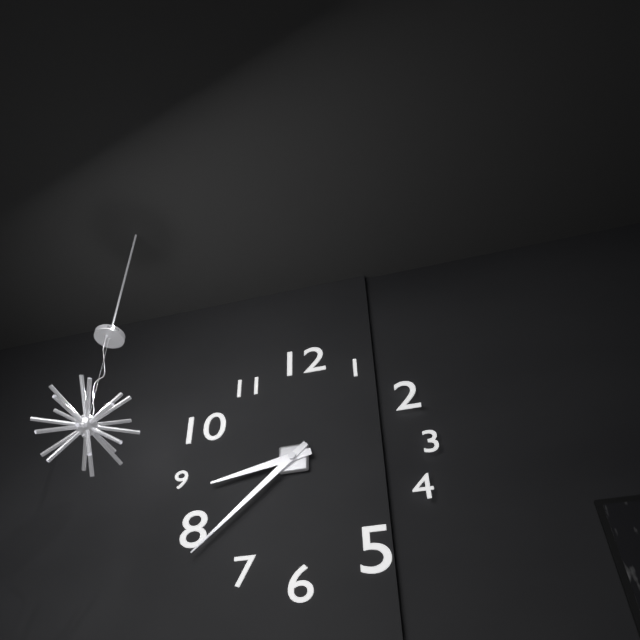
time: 8:38
